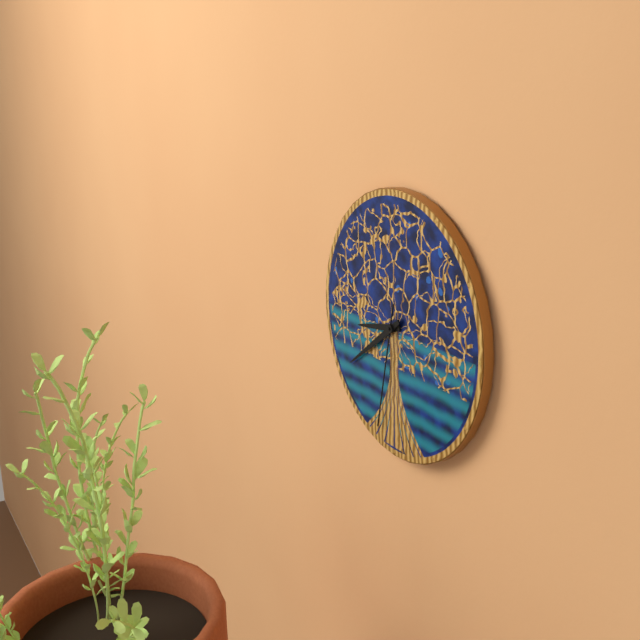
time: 8:39:32
